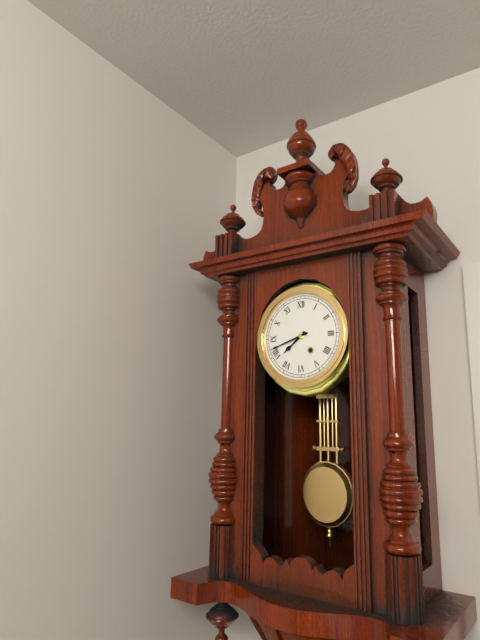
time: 7:42
